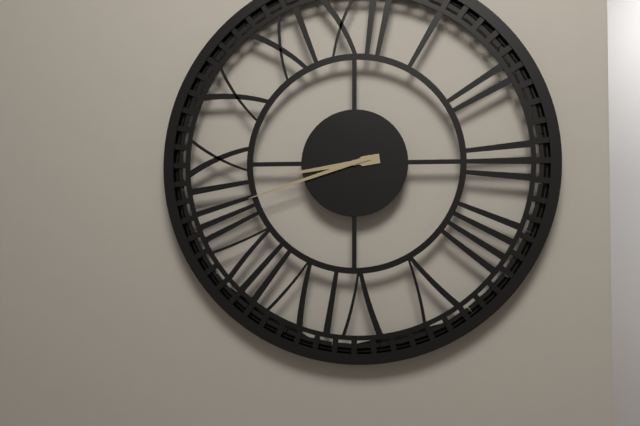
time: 8:42
